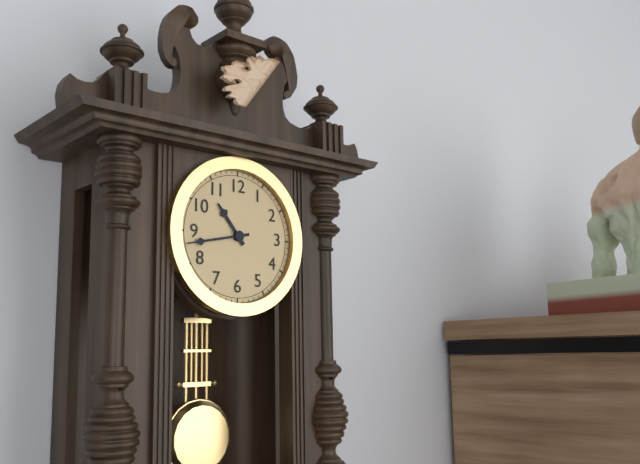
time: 10:43
